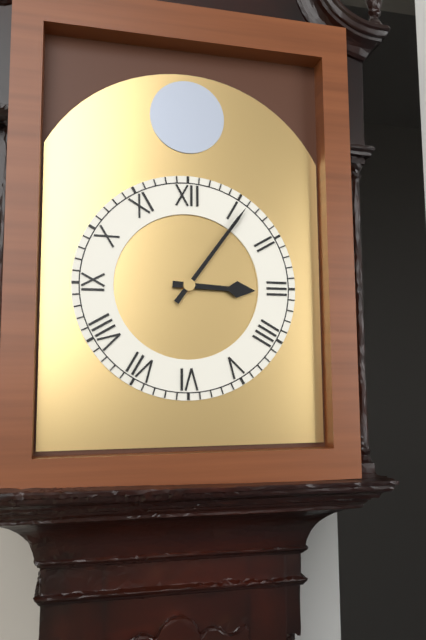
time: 3:06
